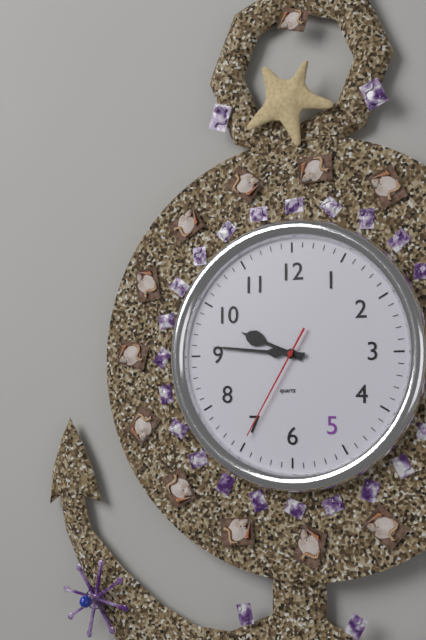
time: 9:46:35
